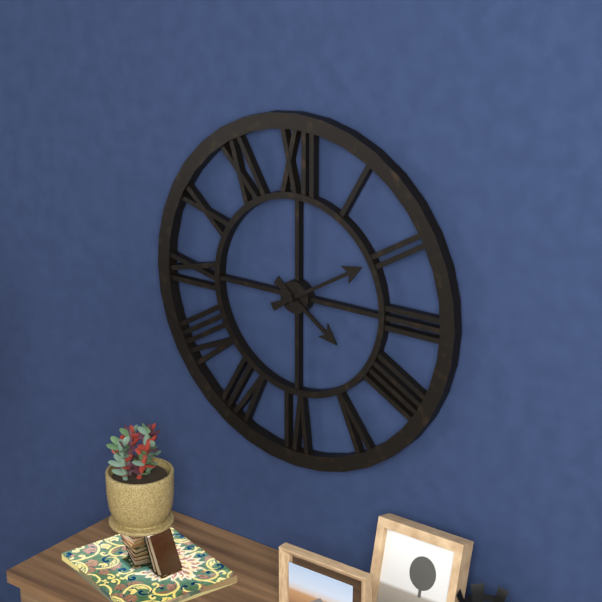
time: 4:10
